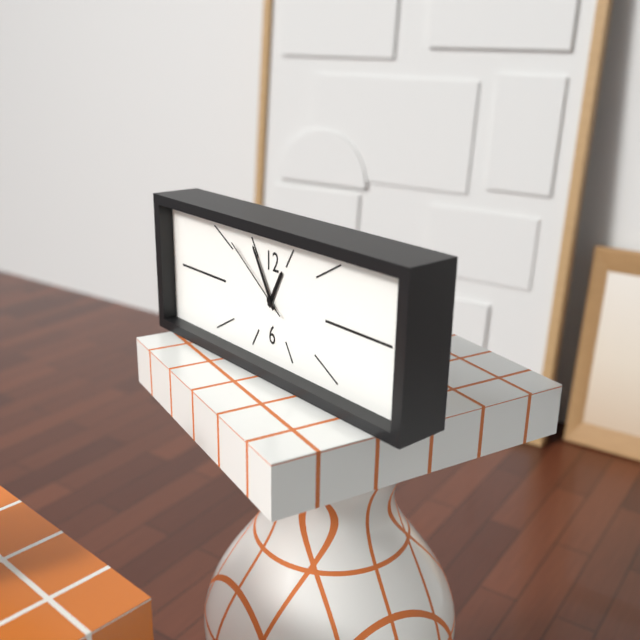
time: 12:55:51
